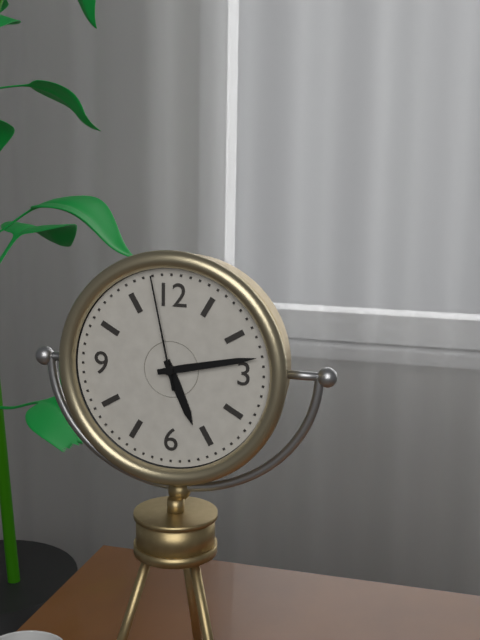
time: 5:13:58
